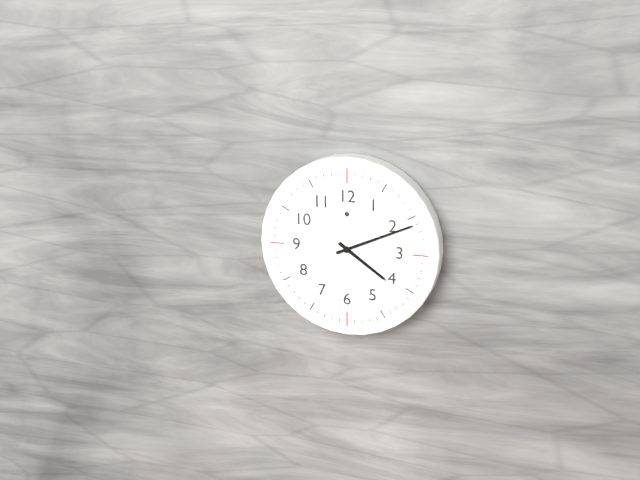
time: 4:11
